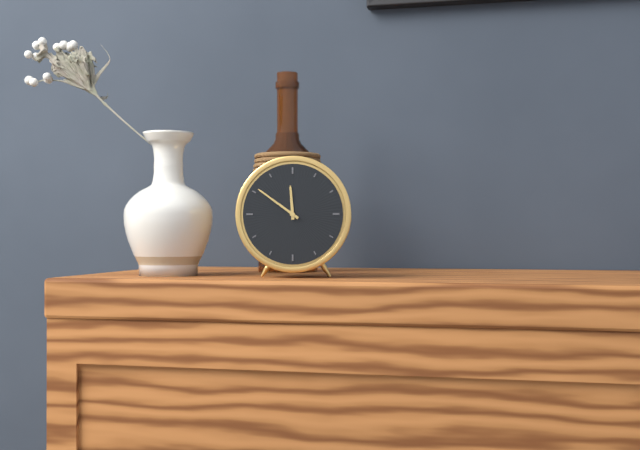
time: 11:51
